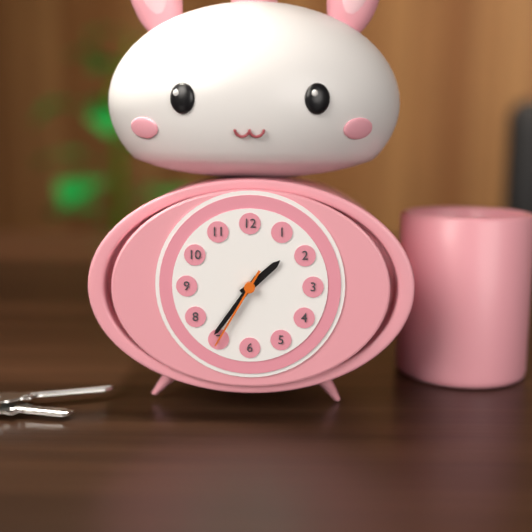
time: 1:36:35
